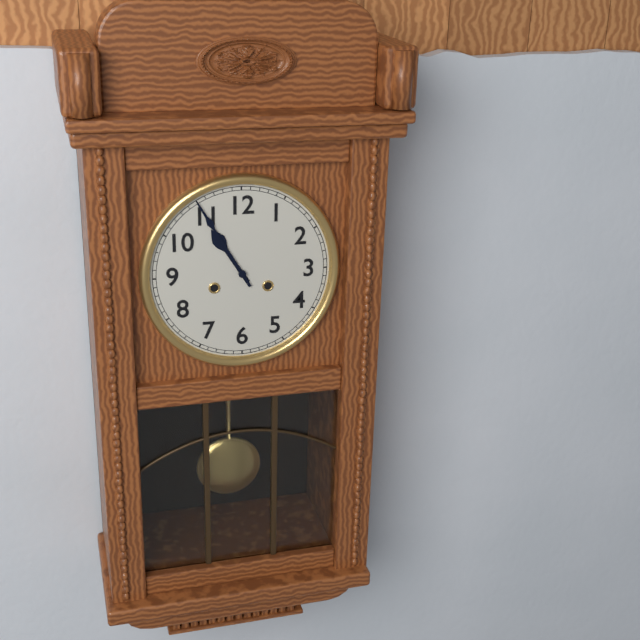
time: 10:55
